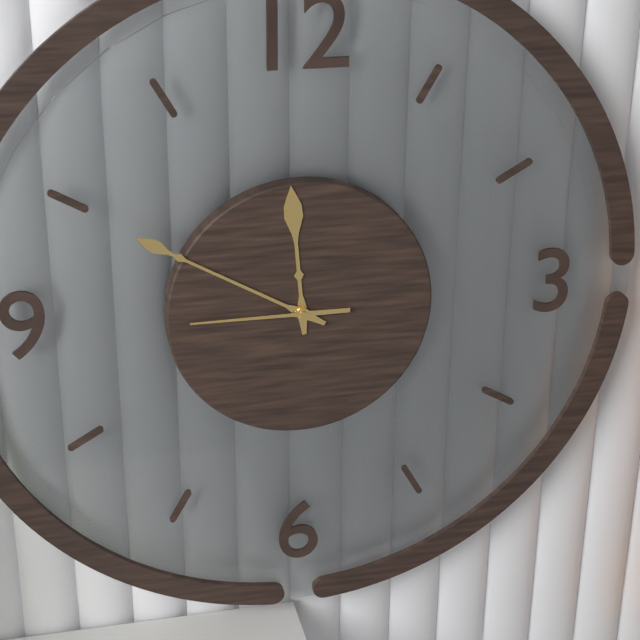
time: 11:50:45
